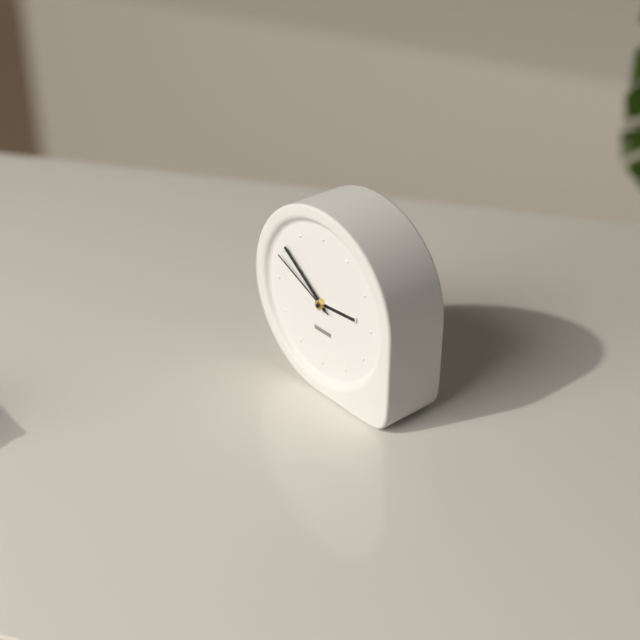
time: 2:51:49
